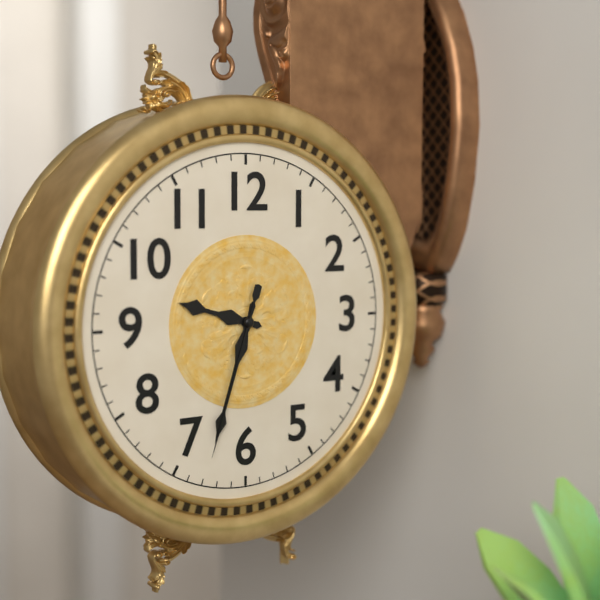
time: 9:33:33
